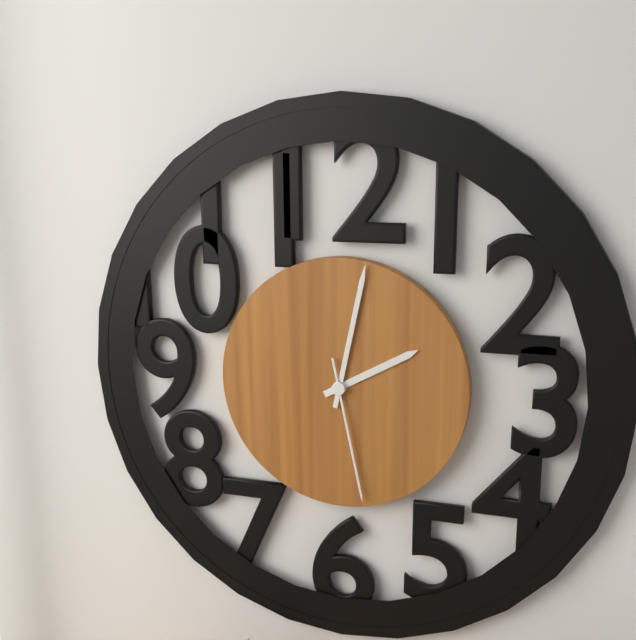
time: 2:02:28
